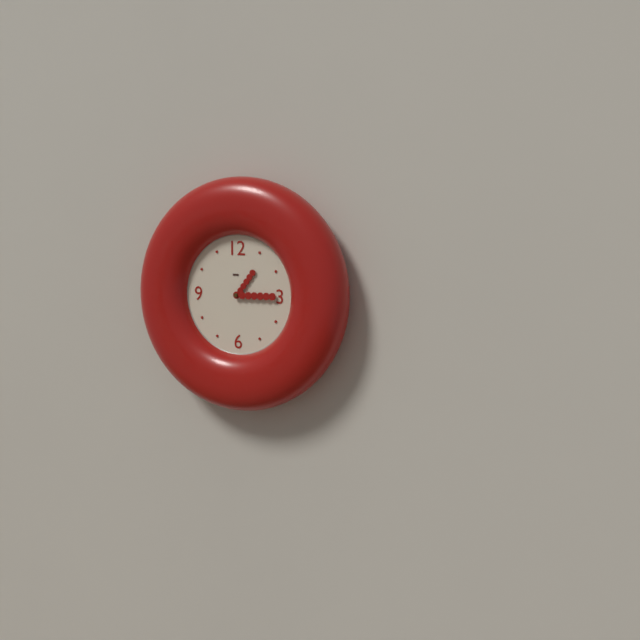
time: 1:15
